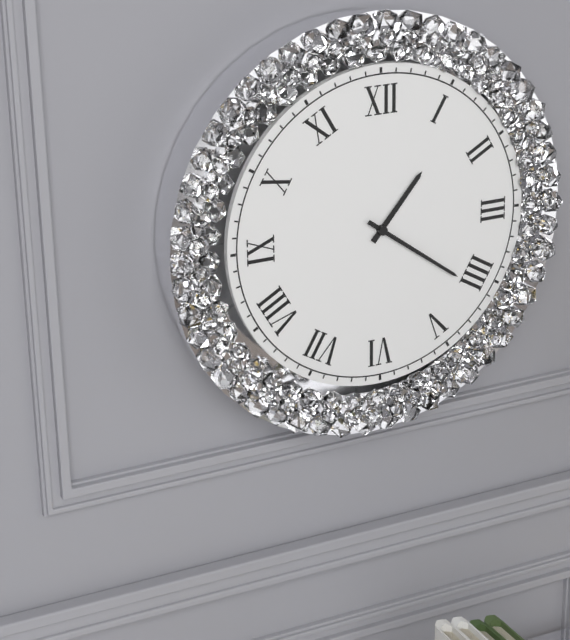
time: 1:21
